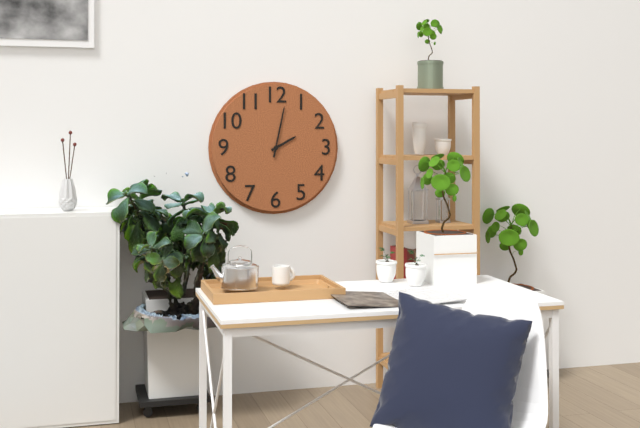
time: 2:02
